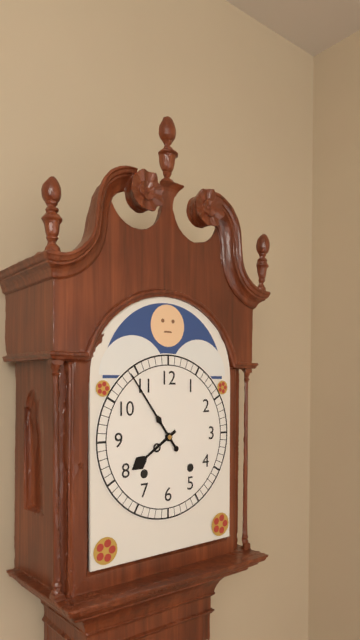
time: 7:54
